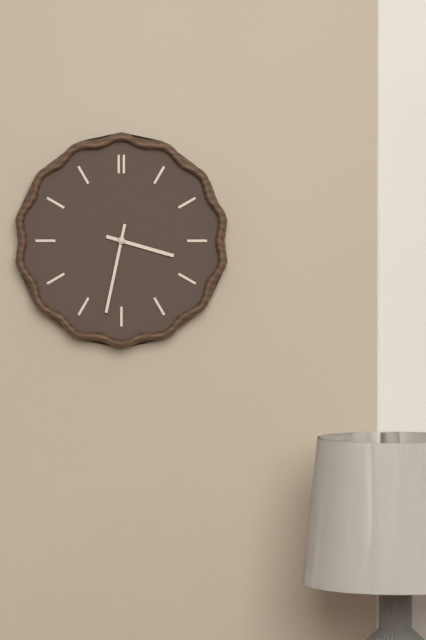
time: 3:32
